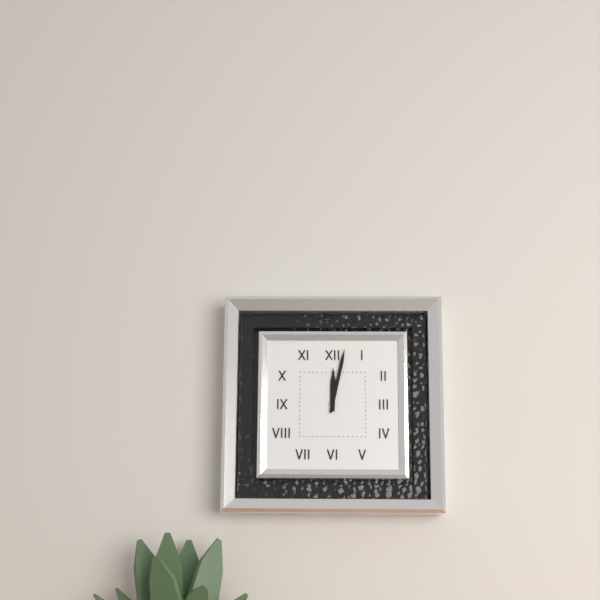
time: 12:02
